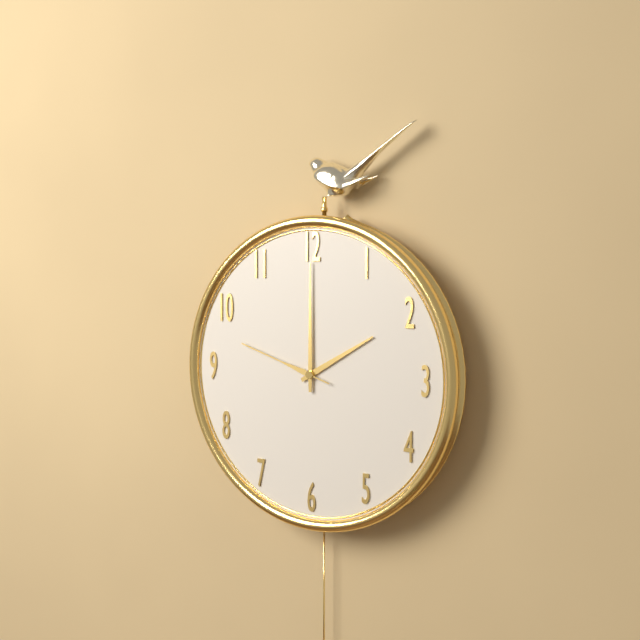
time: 2:00:48
